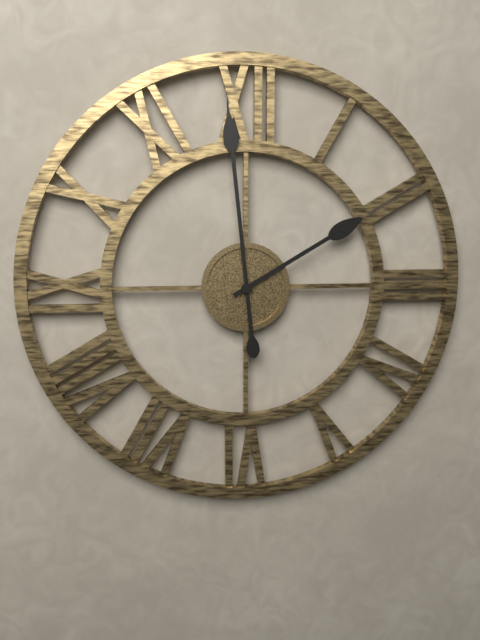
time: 1:59
